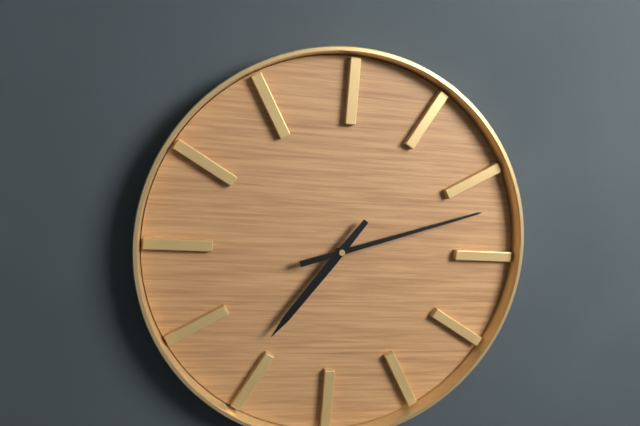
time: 7:12
